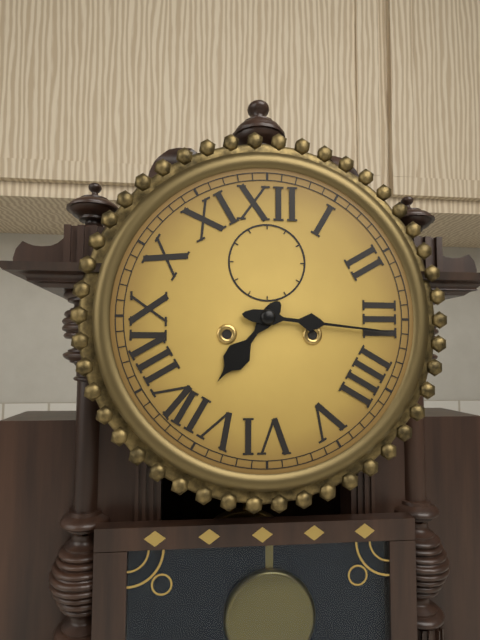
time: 7:16
